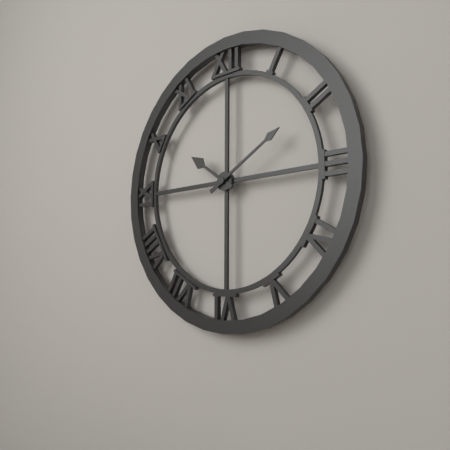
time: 10:10
